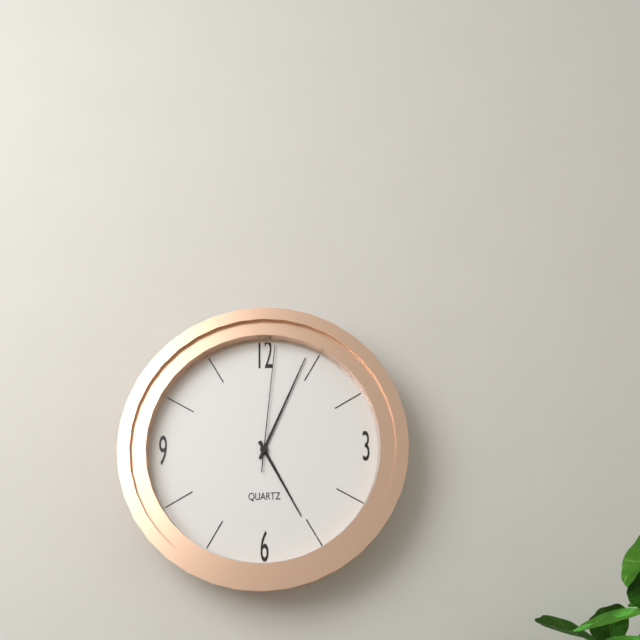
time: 5:04:01
